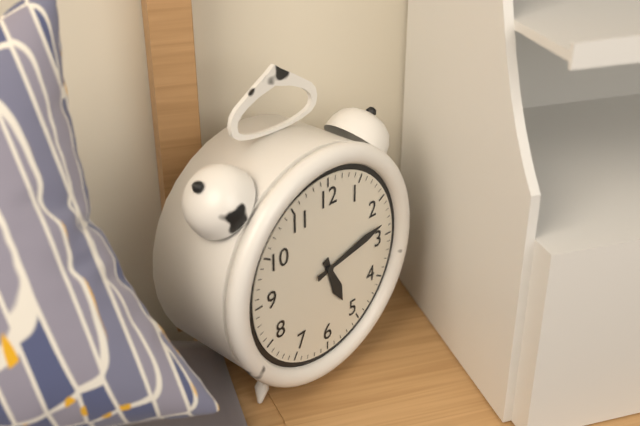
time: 5:13
